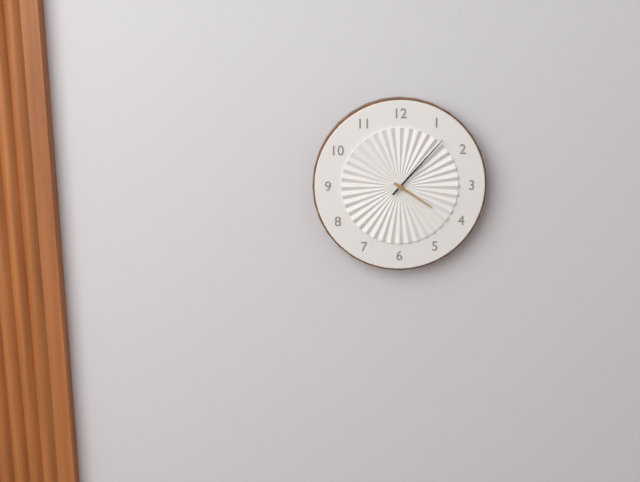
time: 4:07
